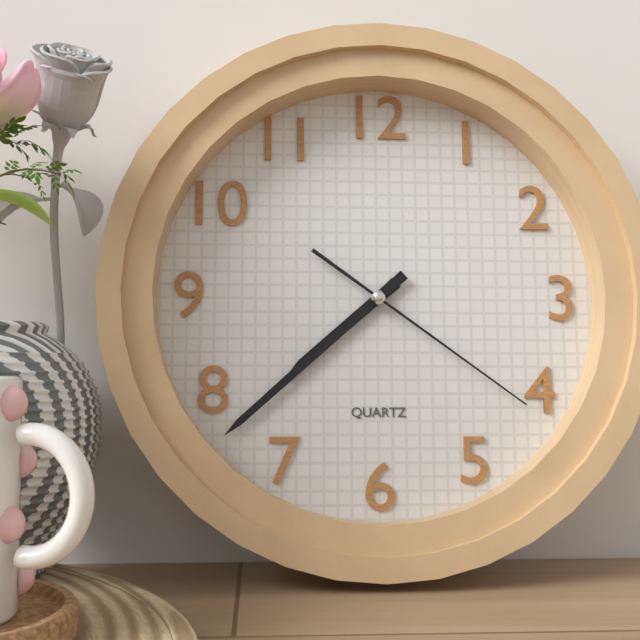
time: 7:38:21
